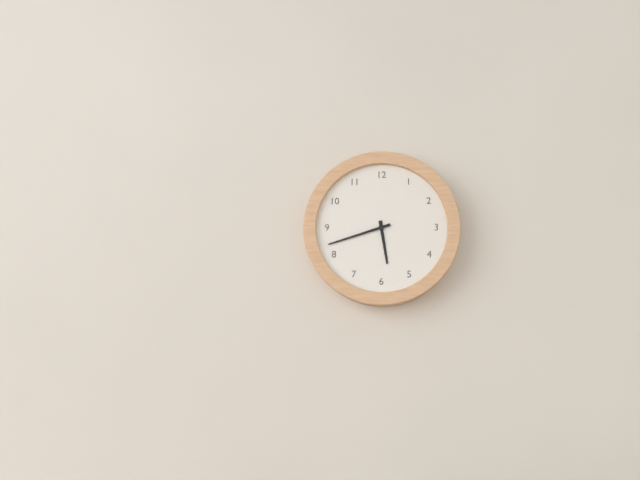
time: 5:42
